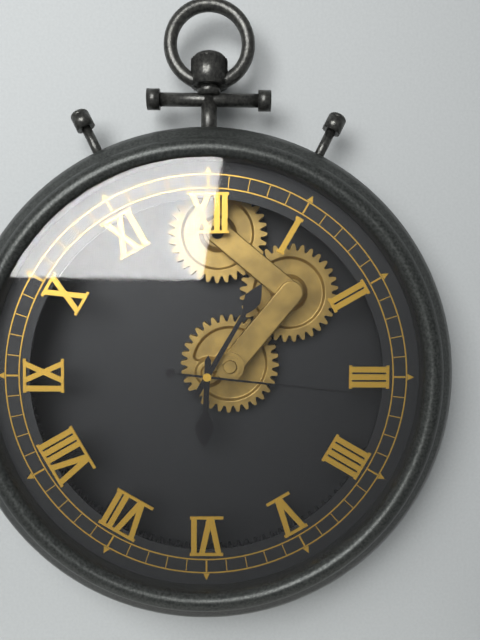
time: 6:05:16
